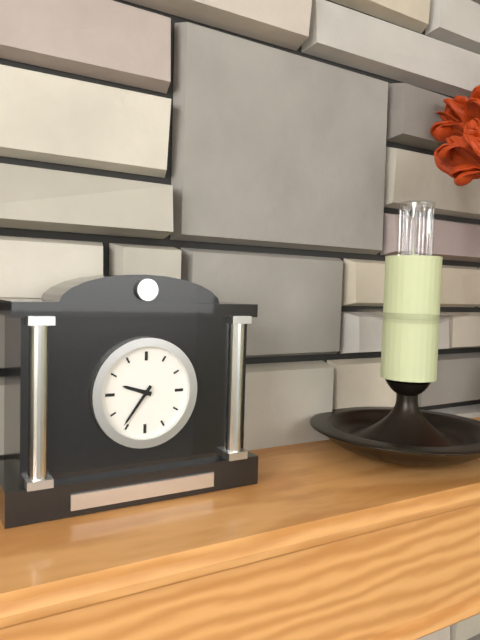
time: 9:36
